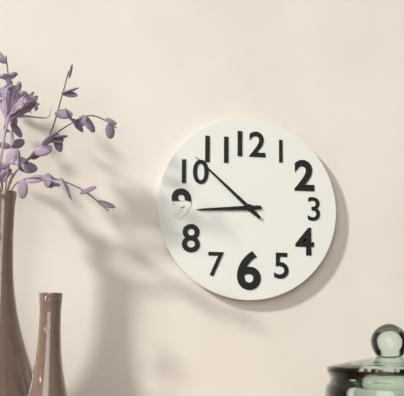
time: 8:52
